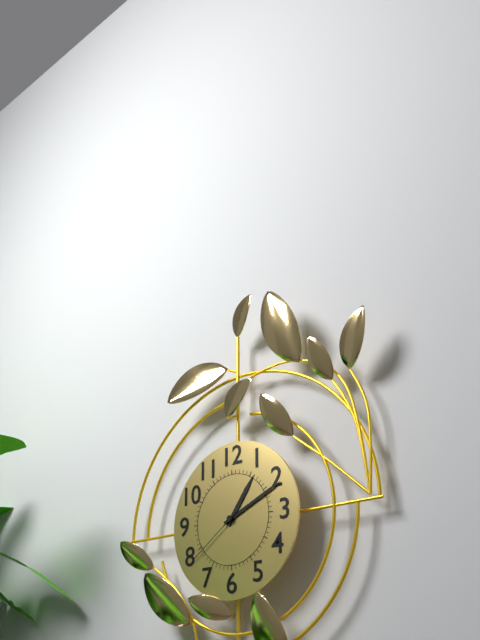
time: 1:11:39
